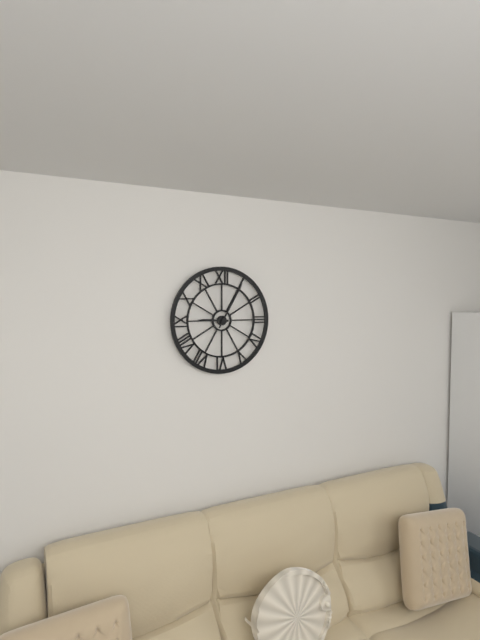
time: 9:05
